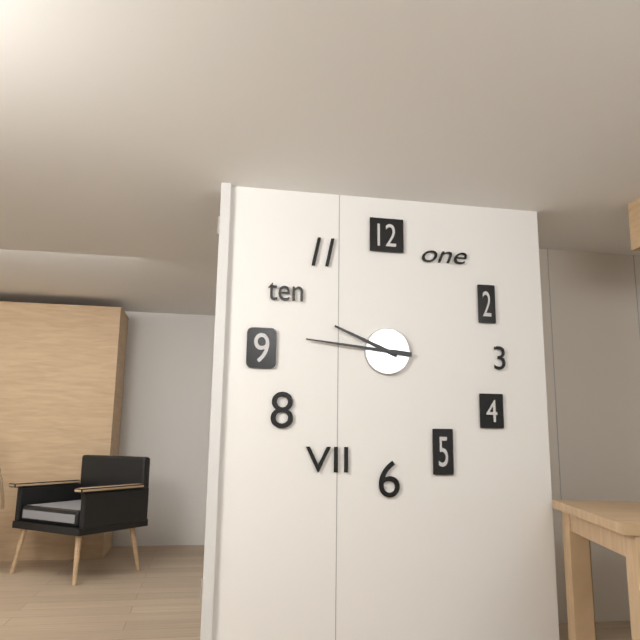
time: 9:46
